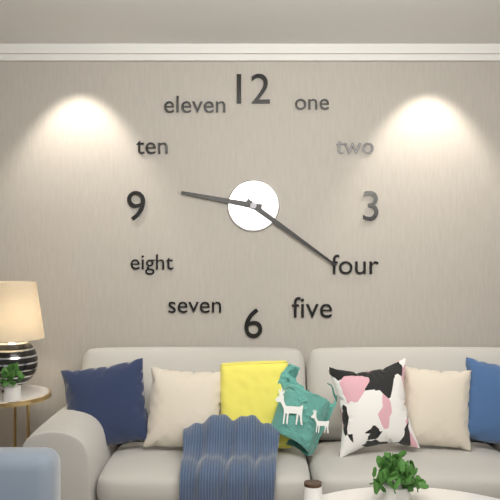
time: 9:21
